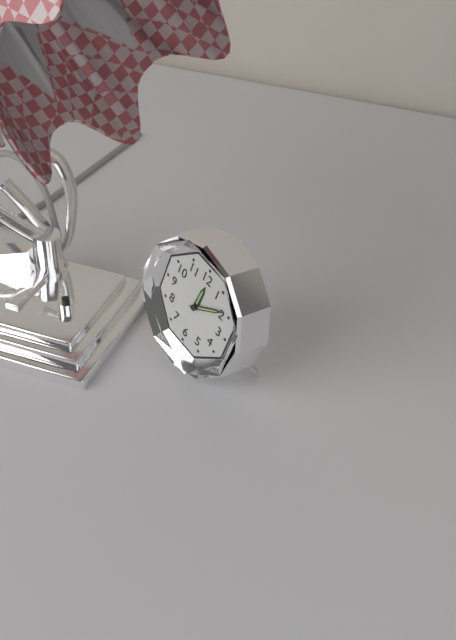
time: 12:09
